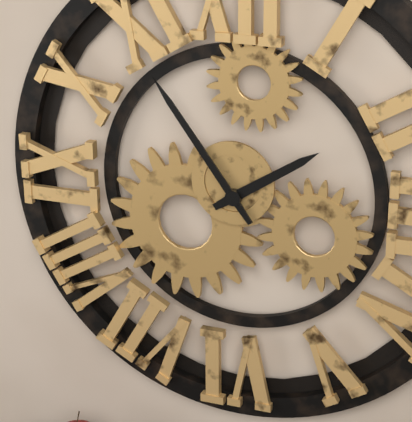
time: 1:54
